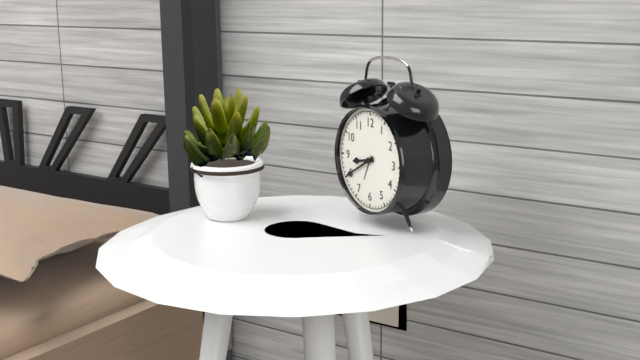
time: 8:40
